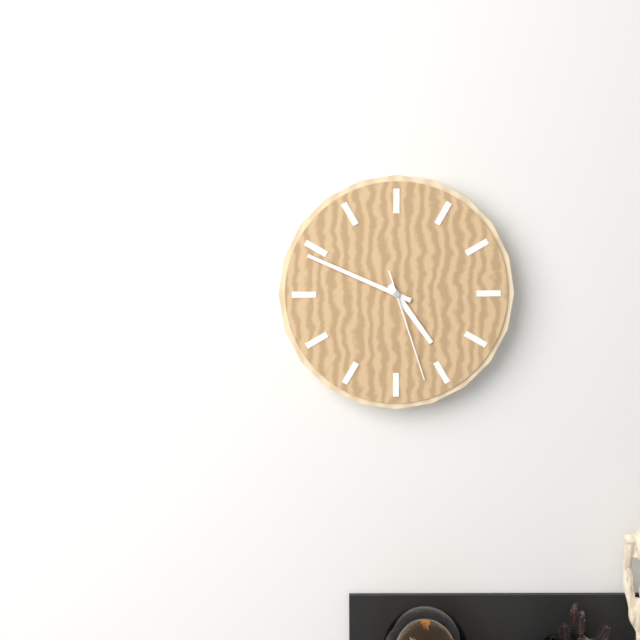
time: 4:49:27
